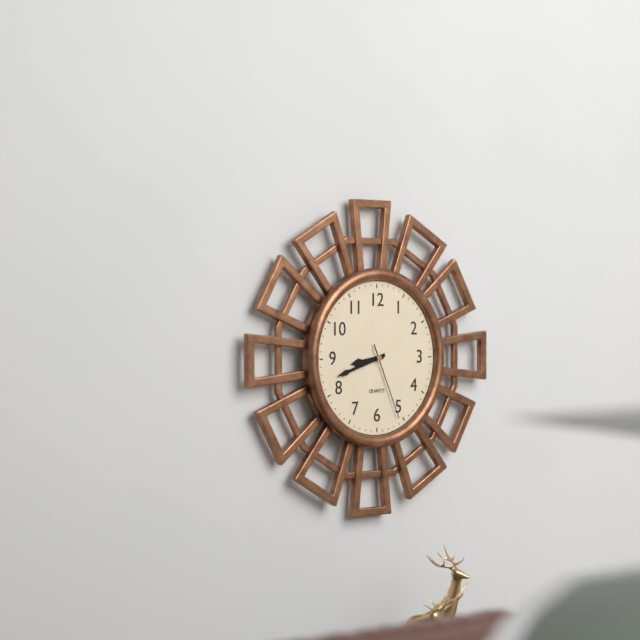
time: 8:42:26
